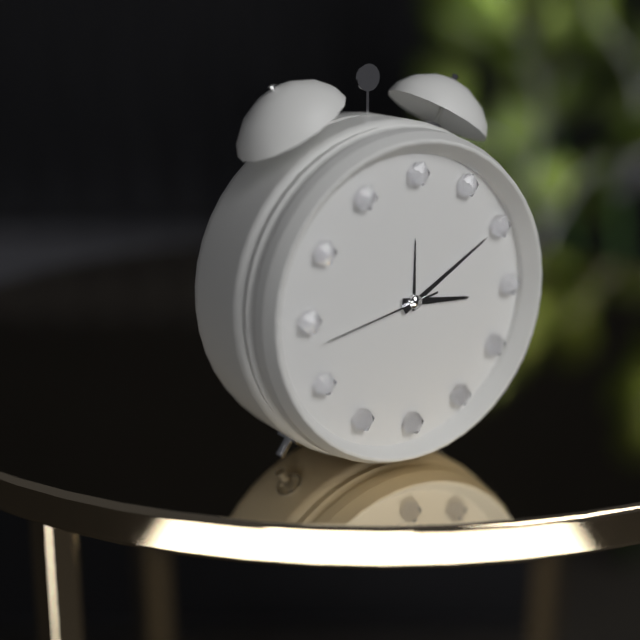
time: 3:10:43
